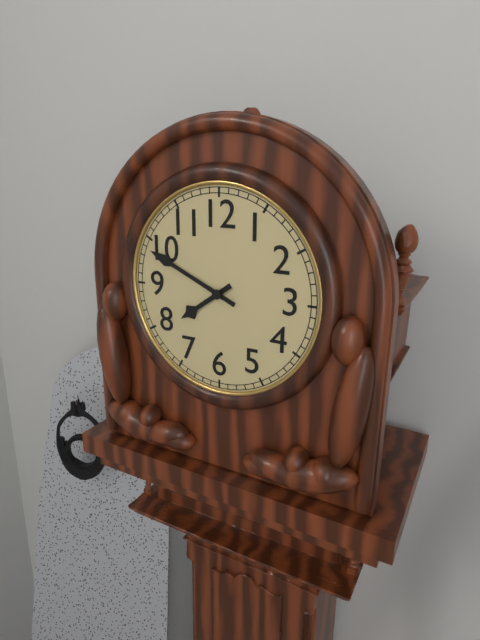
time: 7:49
